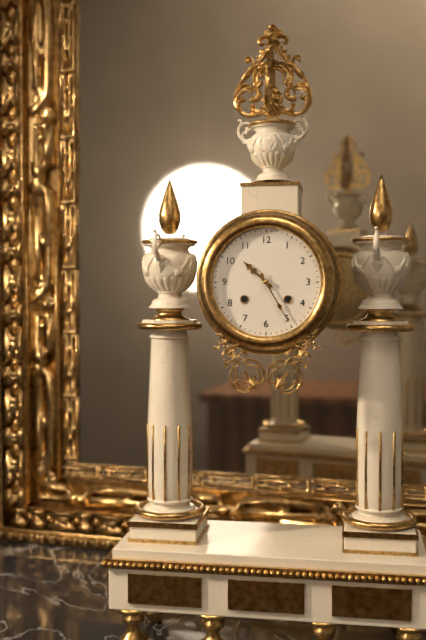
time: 10:25
